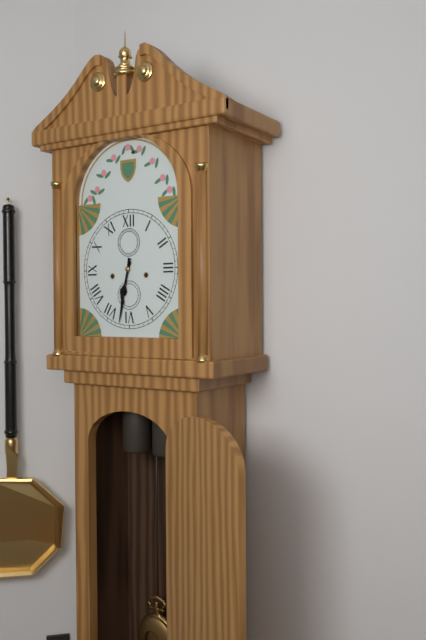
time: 6:32
